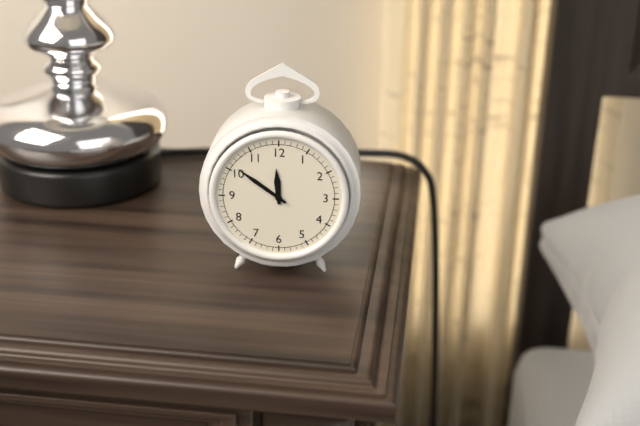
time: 11:51
